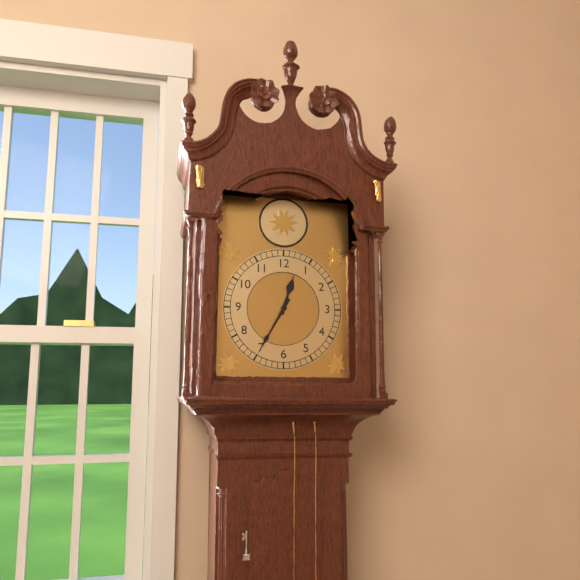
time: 12:35
